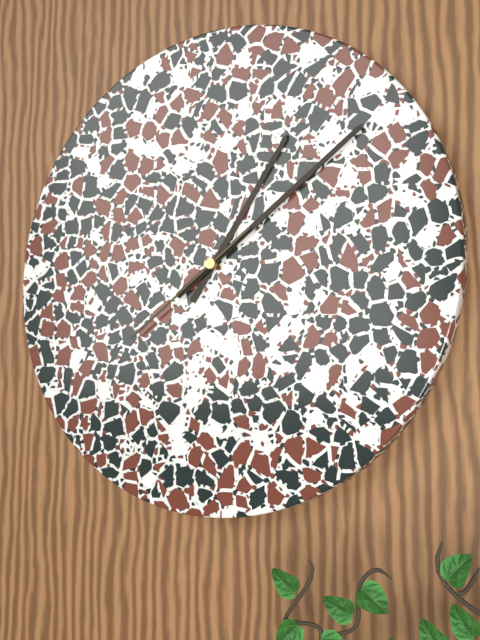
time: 1:09:39
